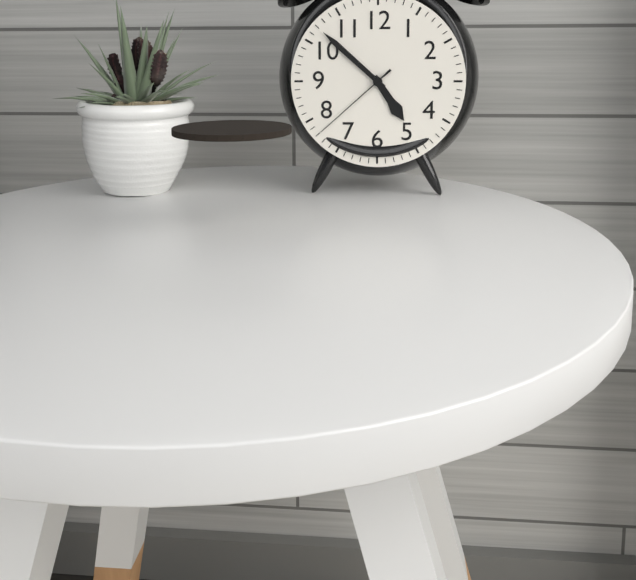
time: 4:52:38
